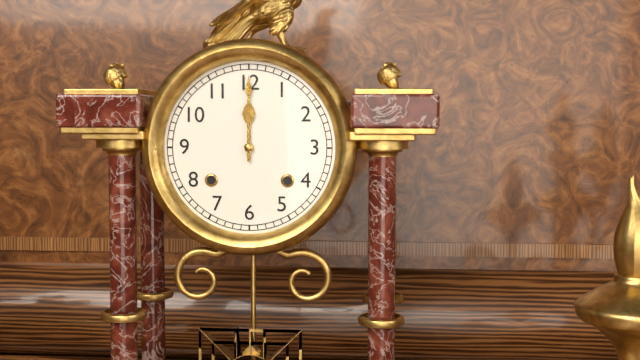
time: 12:00
